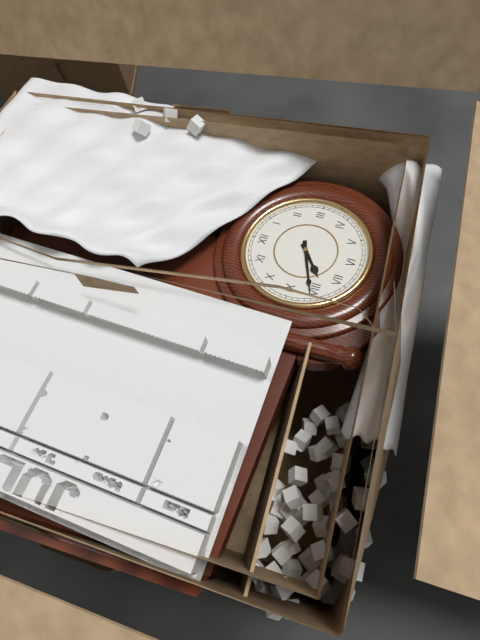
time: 7:41
